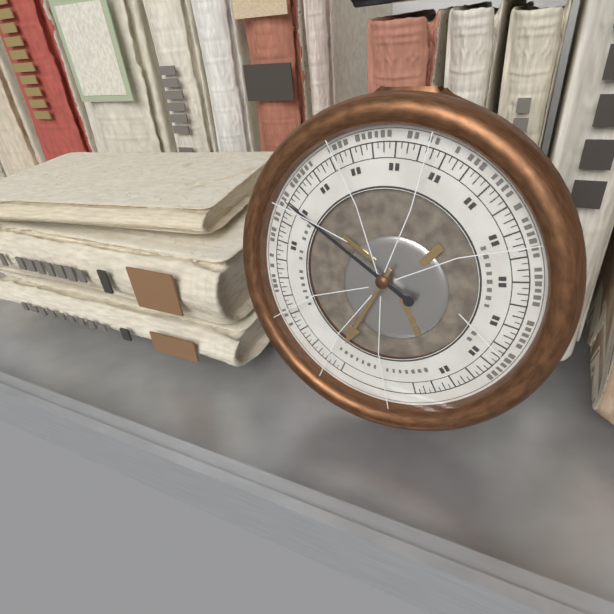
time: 6:50
